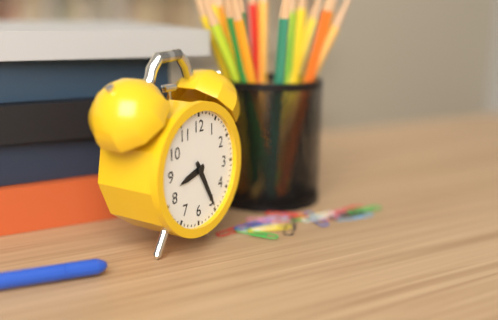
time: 8:25
